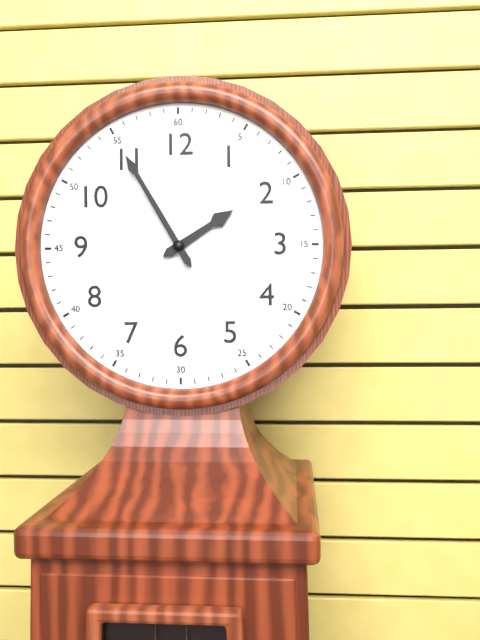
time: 1:55
